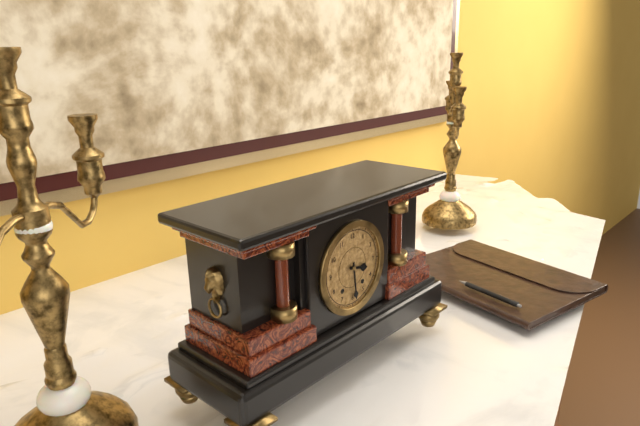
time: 3:29
